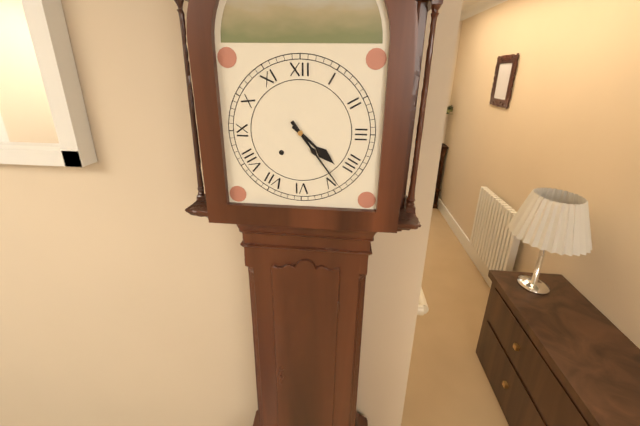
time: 4:24
